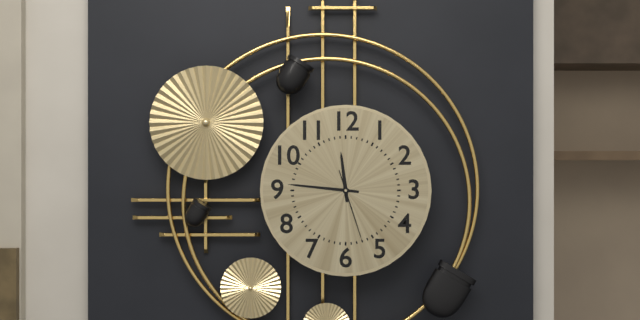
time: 11:46:27
